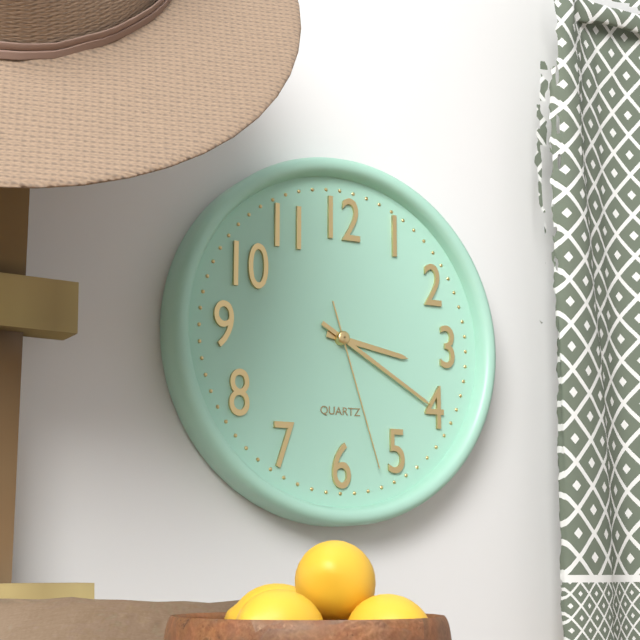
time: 3:20:27
